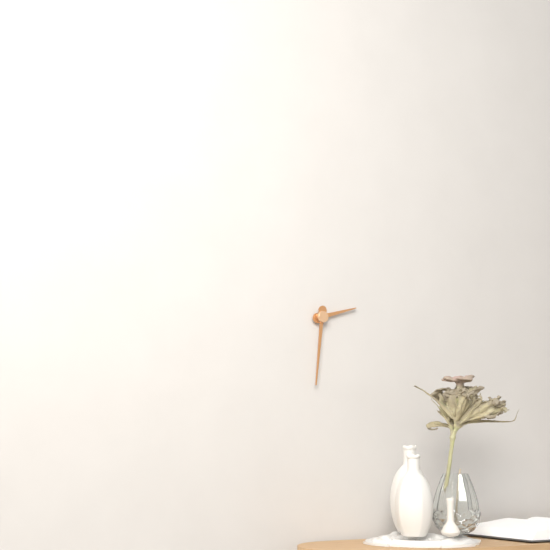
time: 2:31
